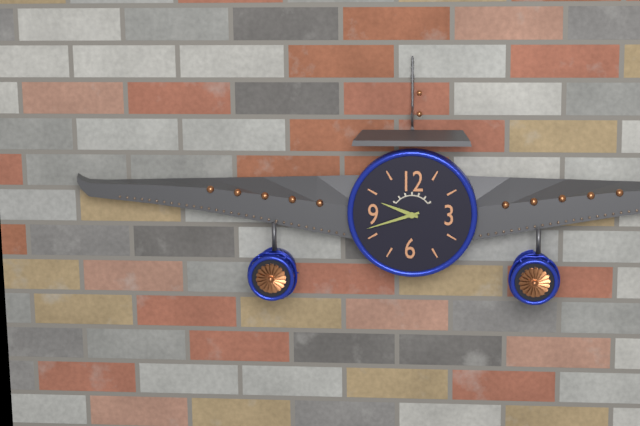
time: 9:42
